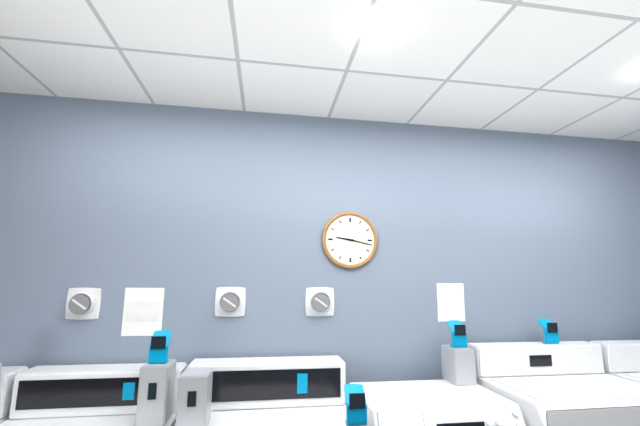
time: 9:17
